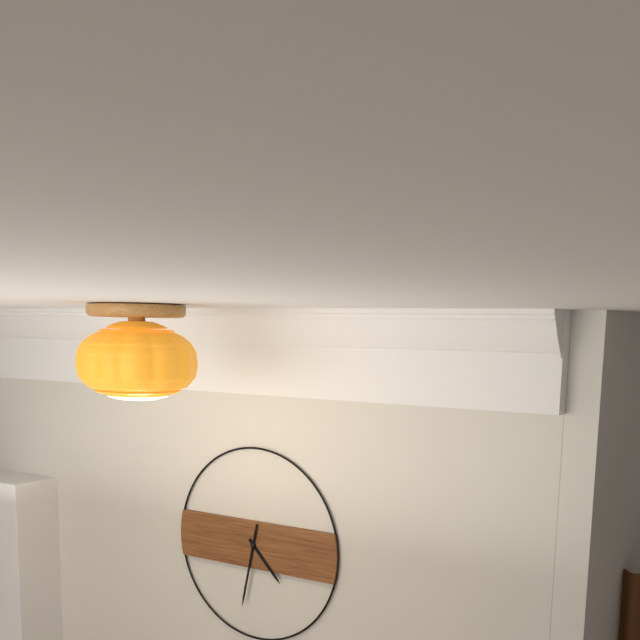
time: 4:32
